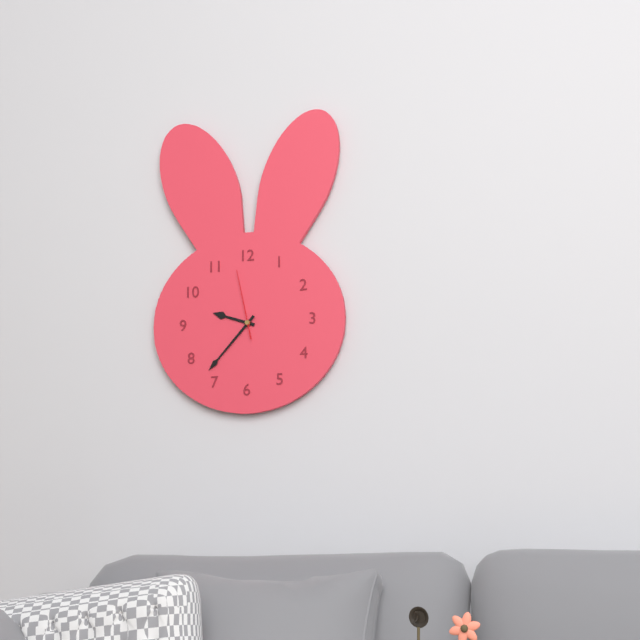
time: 9:37:58
